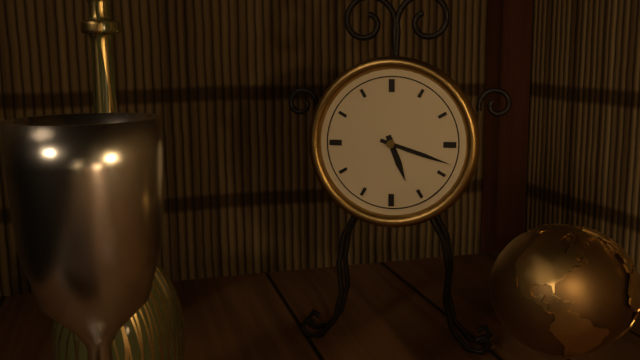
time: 5:18
